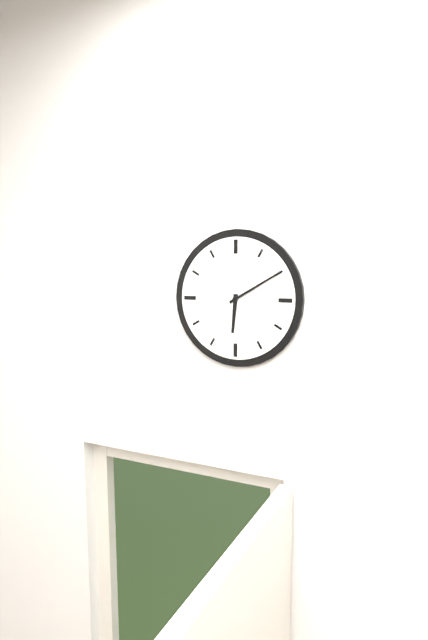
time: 6:10
